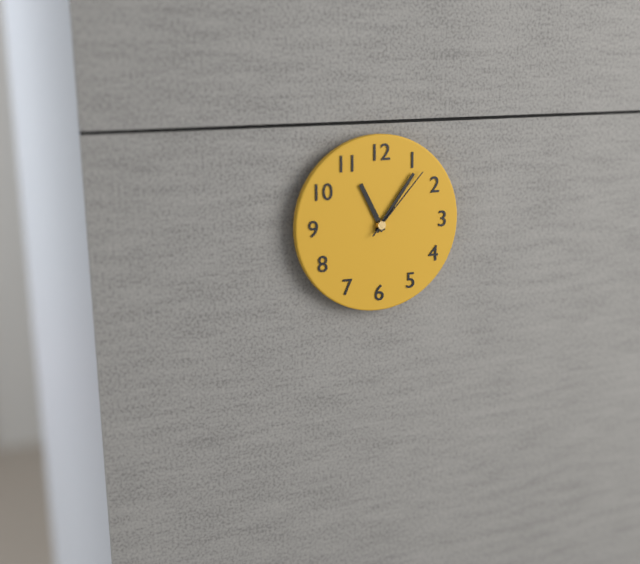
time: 11:06:07
